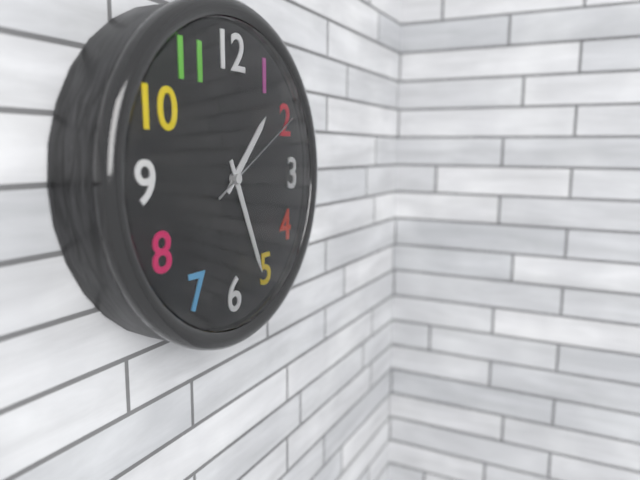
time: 1:26:10
